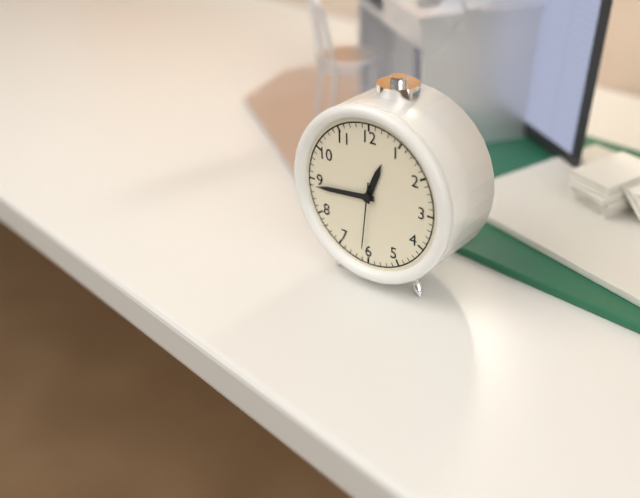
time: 12:44:31
